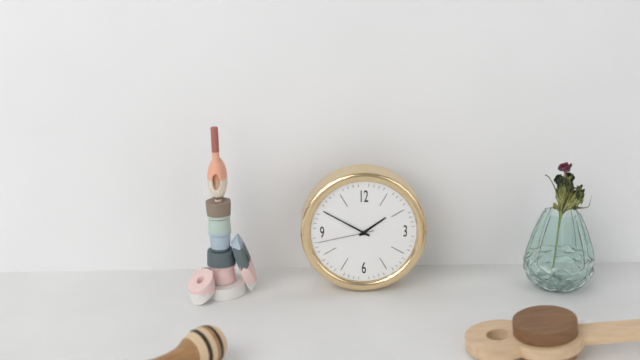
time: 1:50:43
